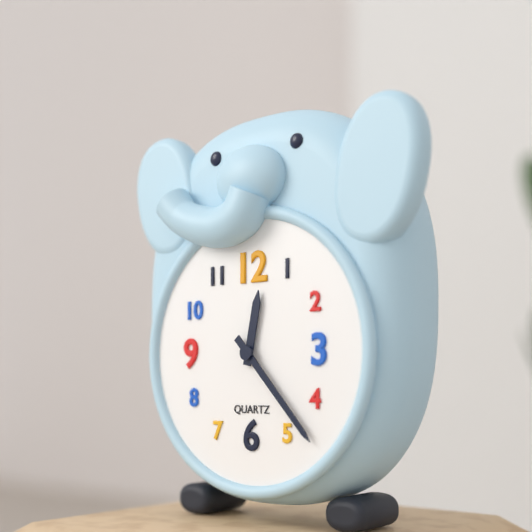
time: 12:23
